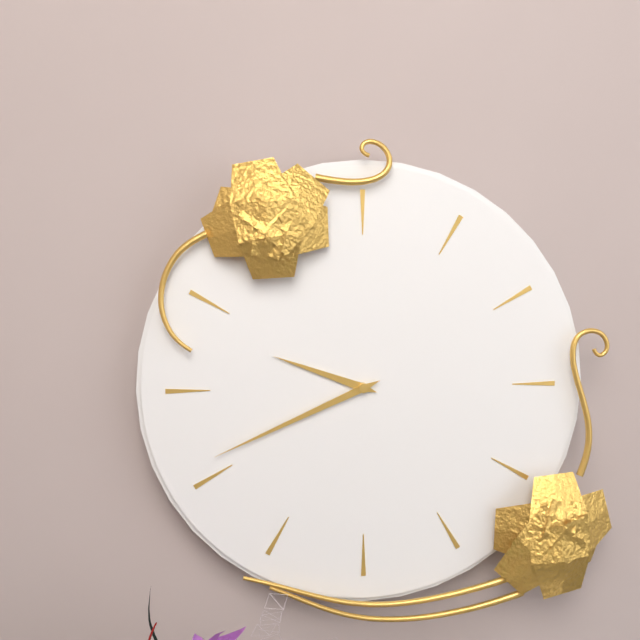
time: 9:41
